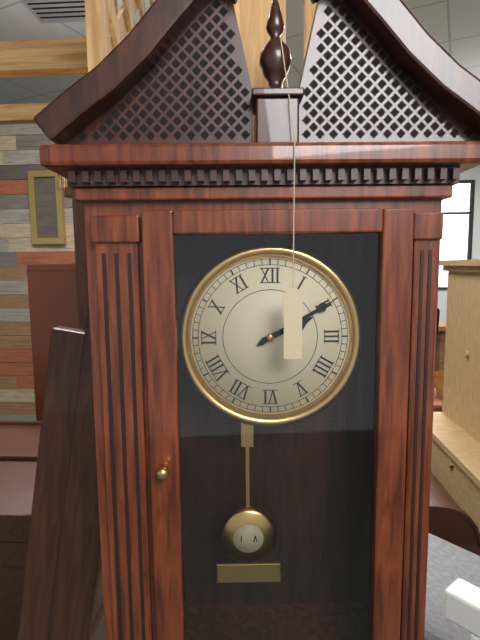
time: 2:10
